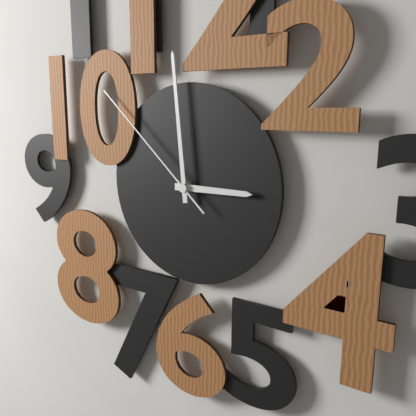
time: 2:59:52
